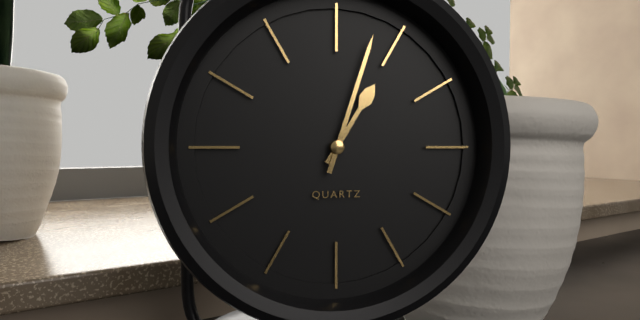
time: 1:03
